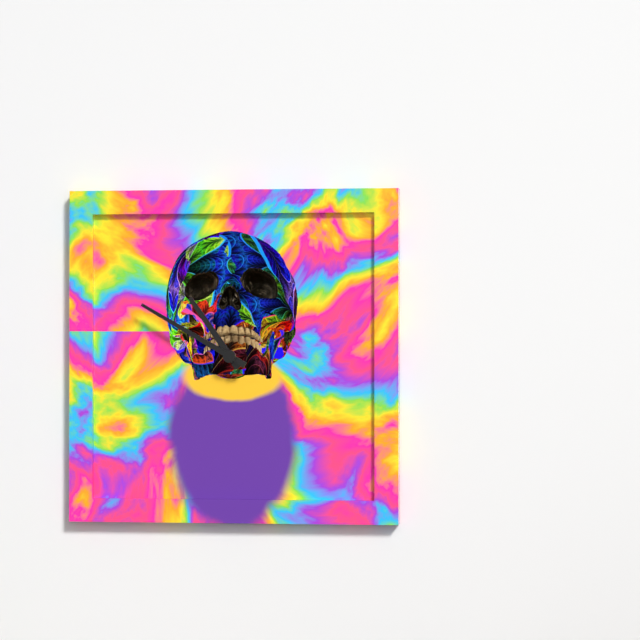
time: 10:50
